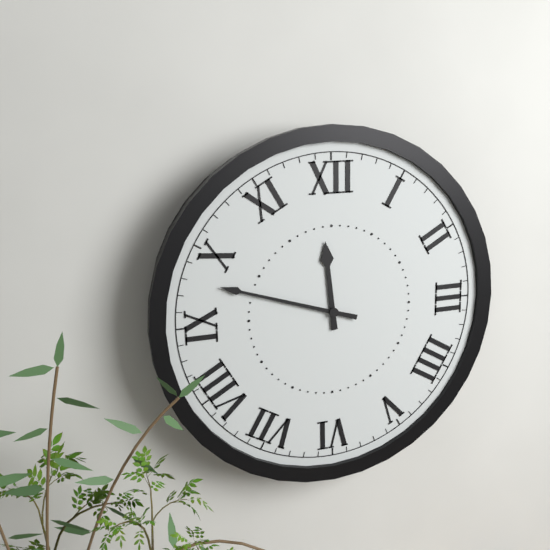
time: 11:48
